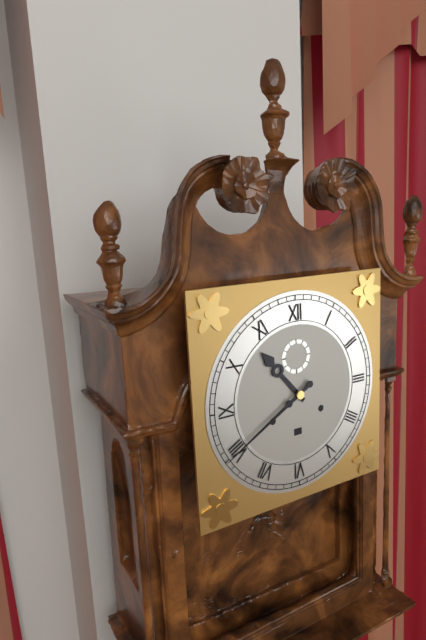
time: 10:40
